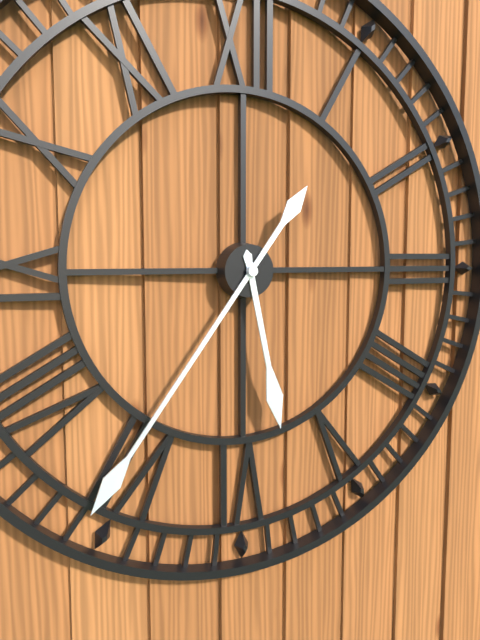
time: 5:36
